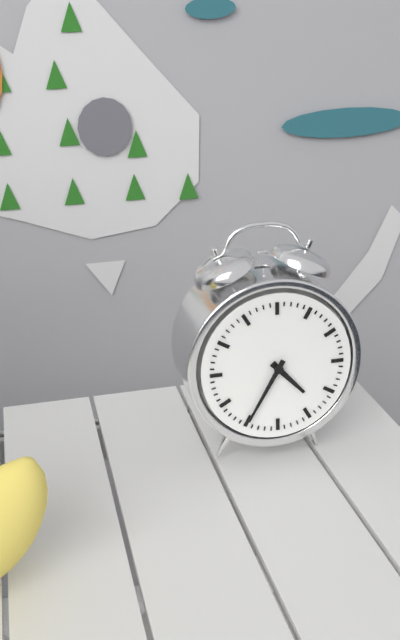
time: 4:35
